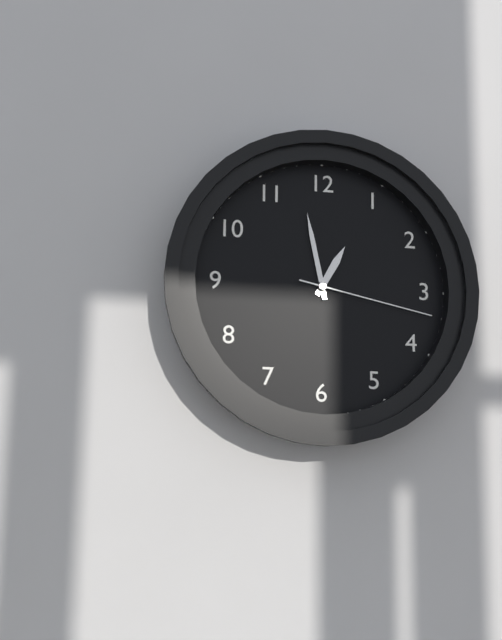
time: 12:58:17
